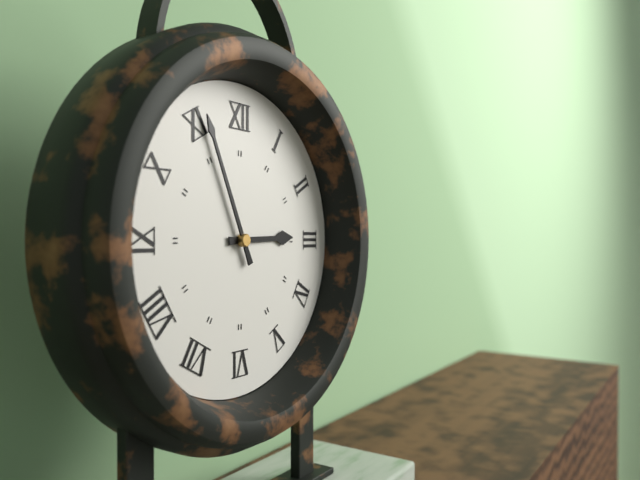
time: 2:56
